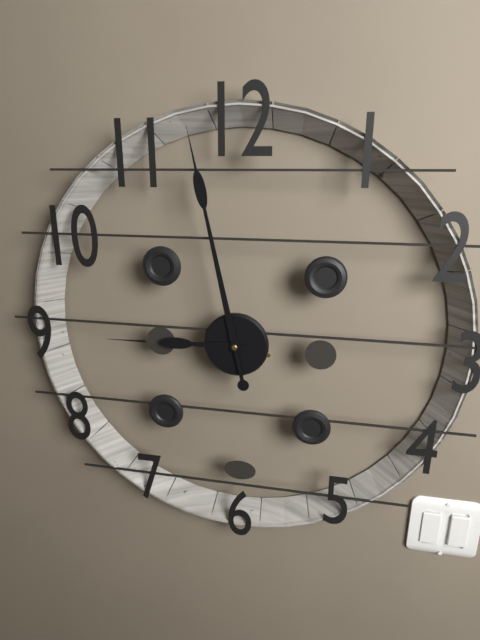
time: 8:58
